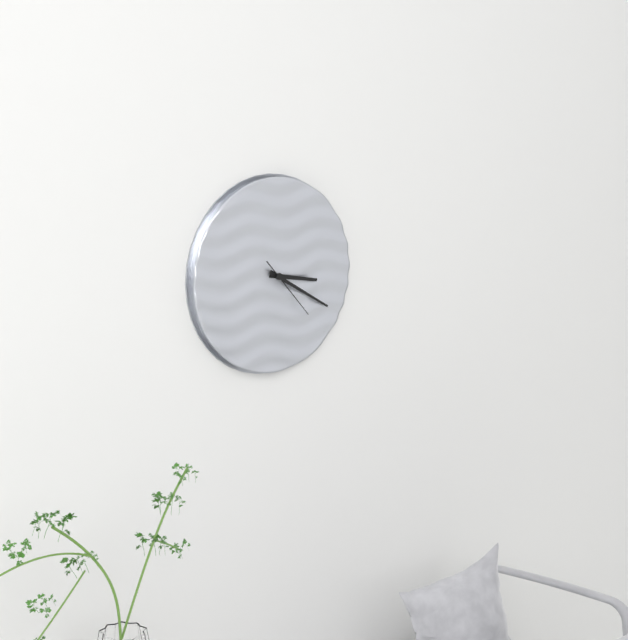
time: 3:20:23
